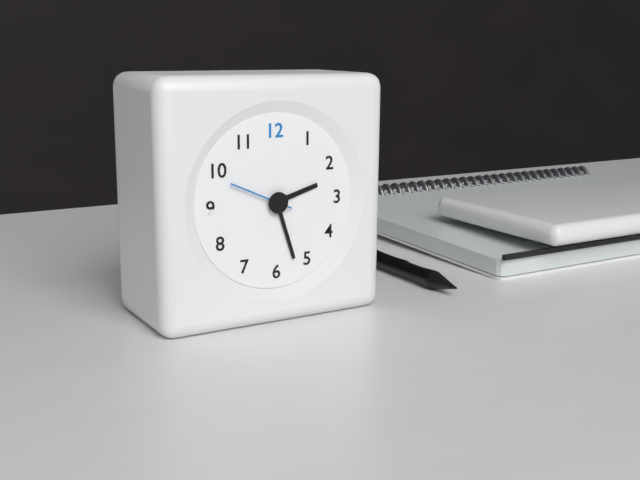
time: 2:27:49
